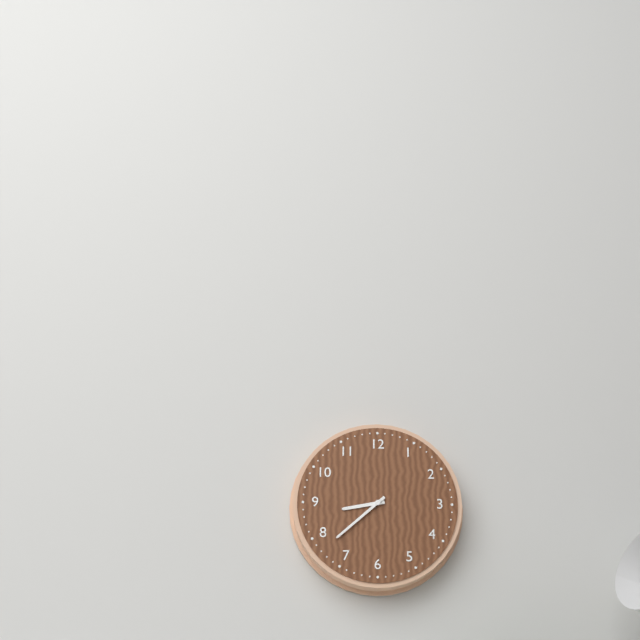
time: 8:38
